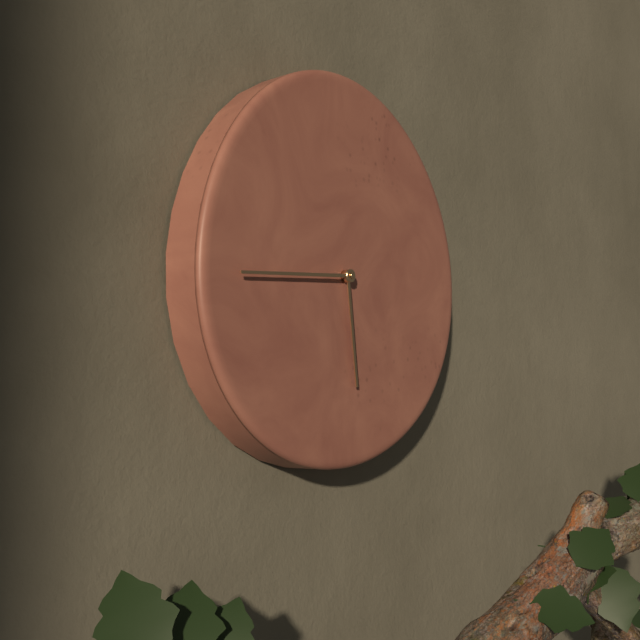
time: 5:44
